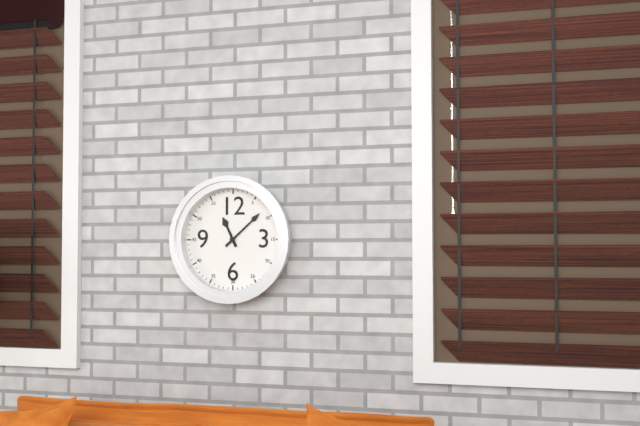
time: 11:08
